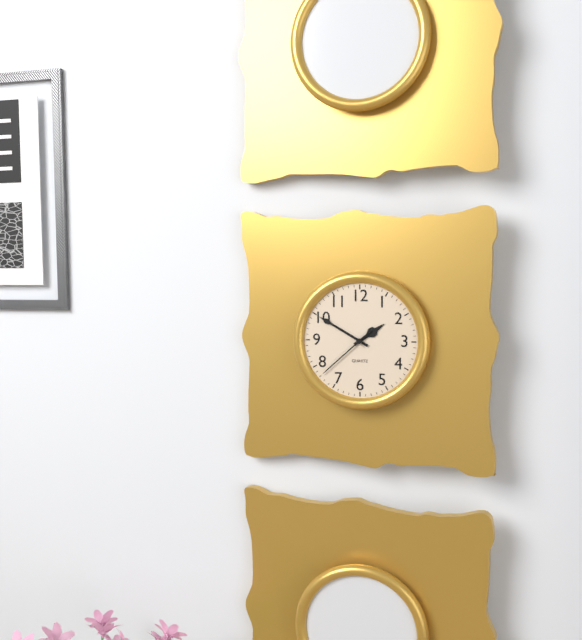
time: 1:50:38
